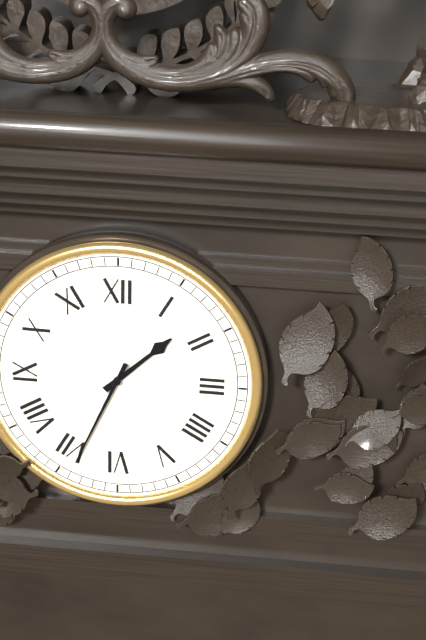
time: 1:34
